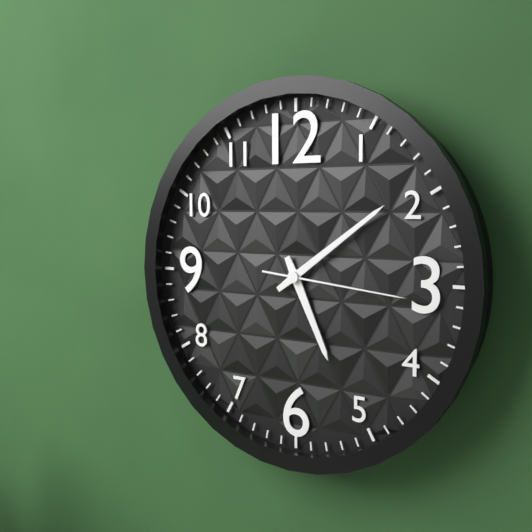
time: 5:09:16
